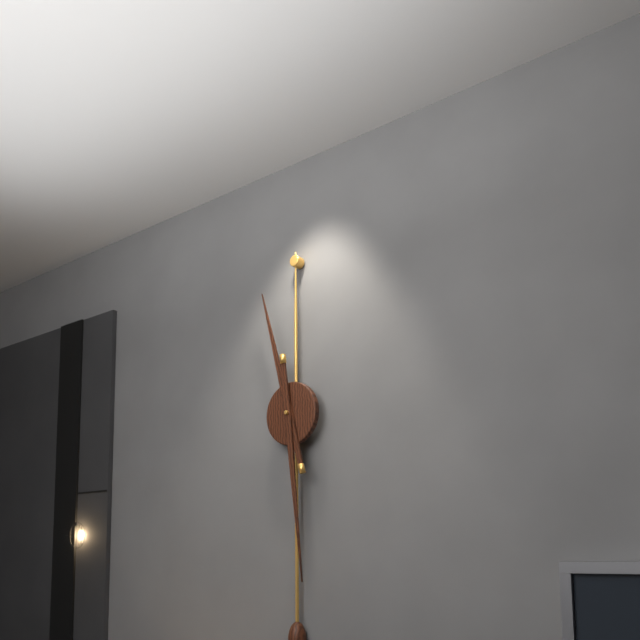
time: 11:29
